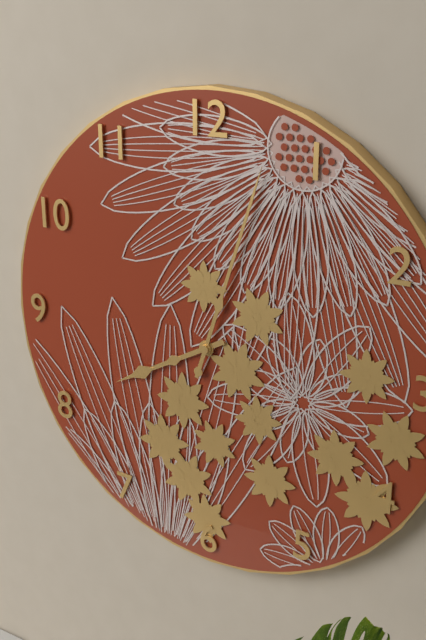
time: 8:03
